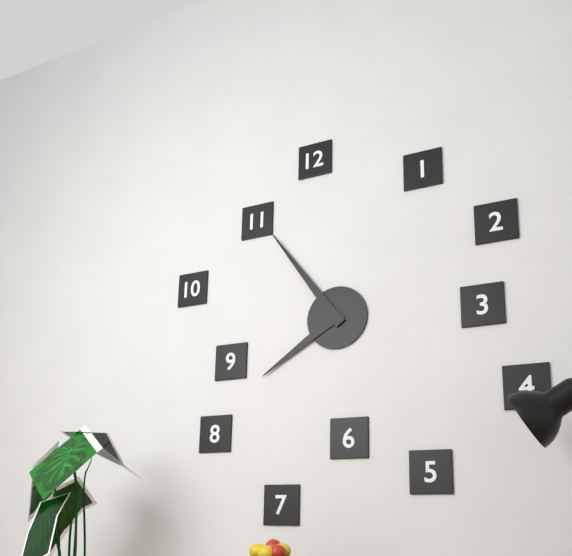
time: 7:54
